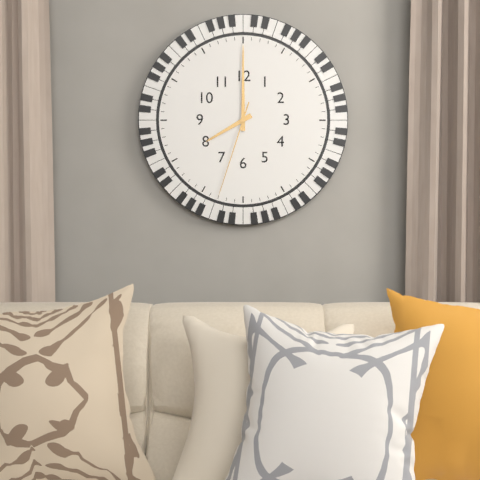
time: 8:00:33
